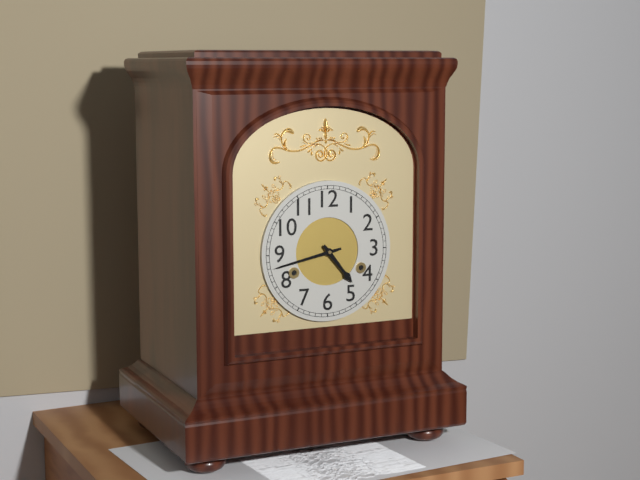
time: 4:43
